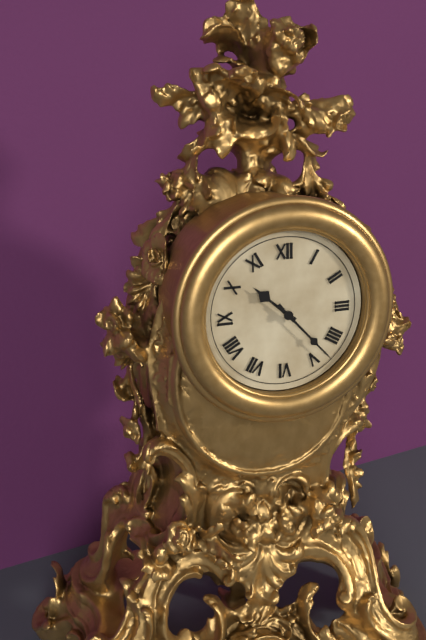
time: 10:23
